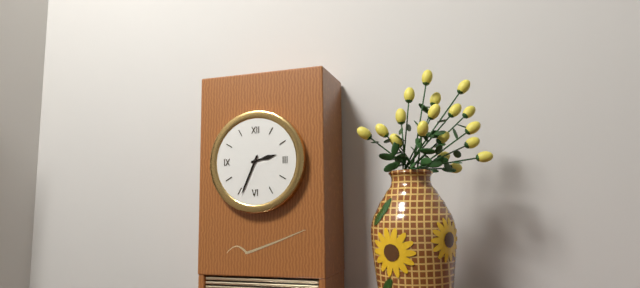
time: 2:34
